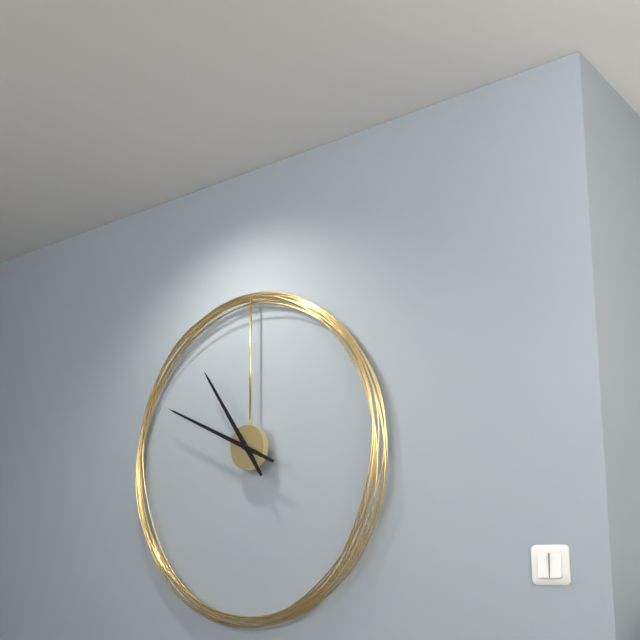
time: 10:49
